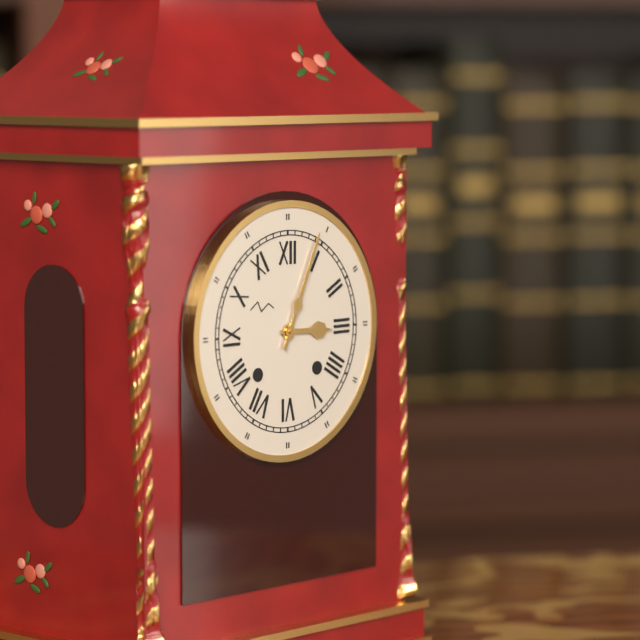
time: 3:04
